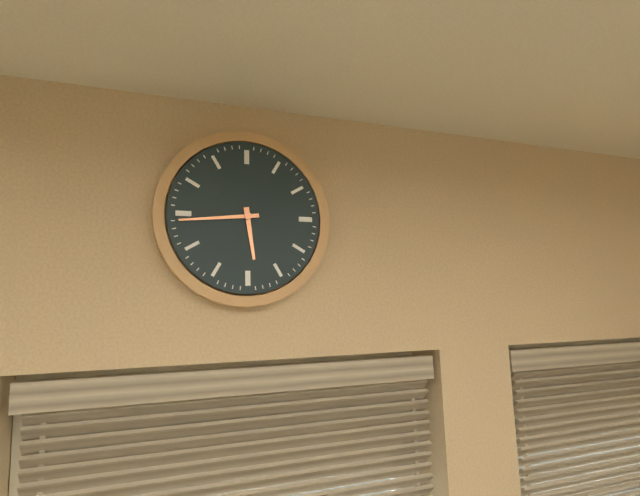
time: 5:44
